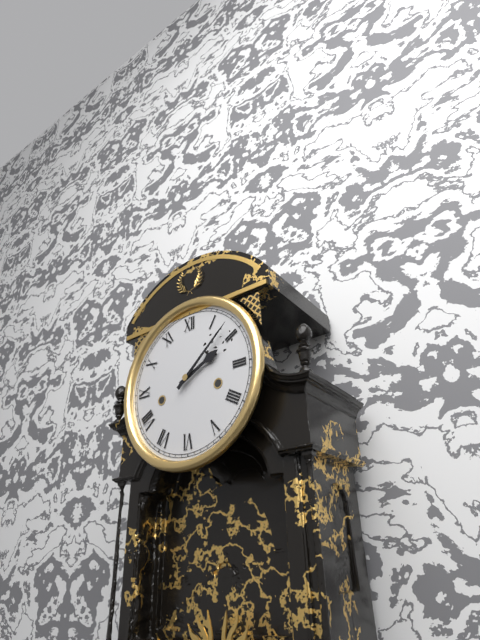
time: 2:08
